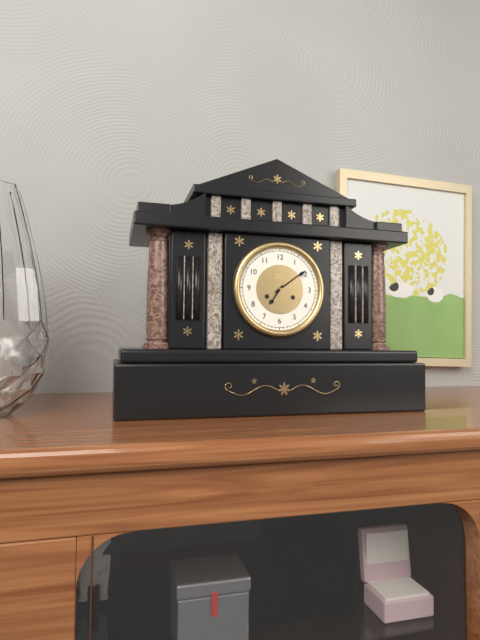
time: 7:09
